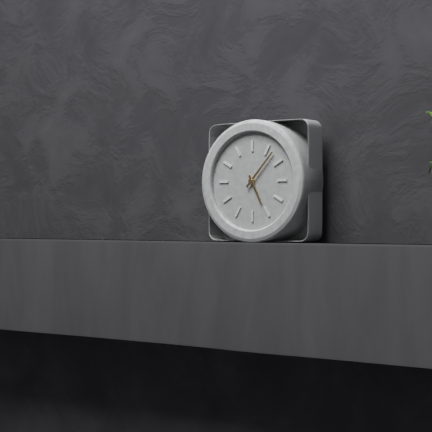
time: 5:07
